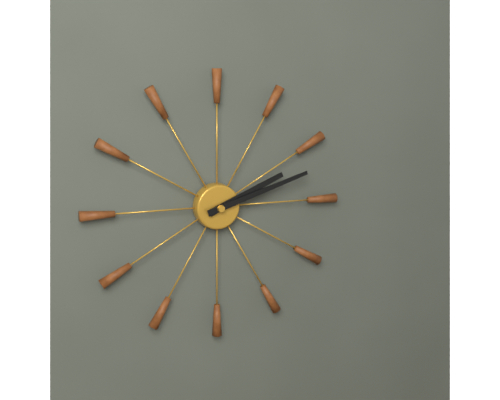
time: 2:12
